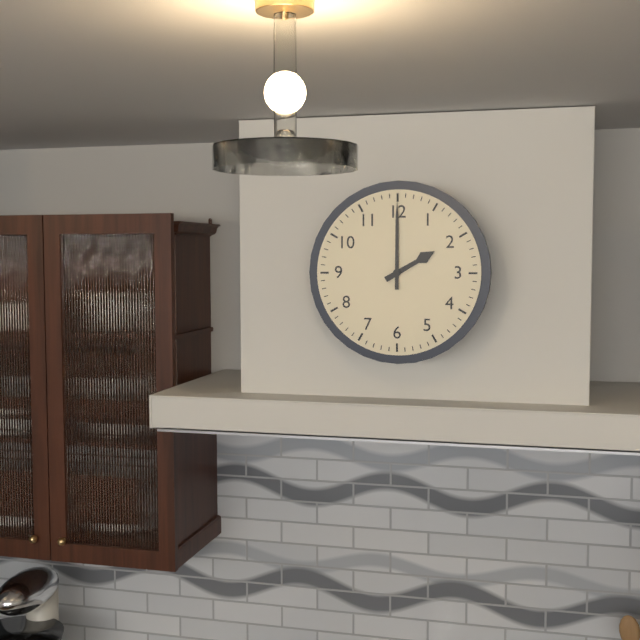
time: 2:00
